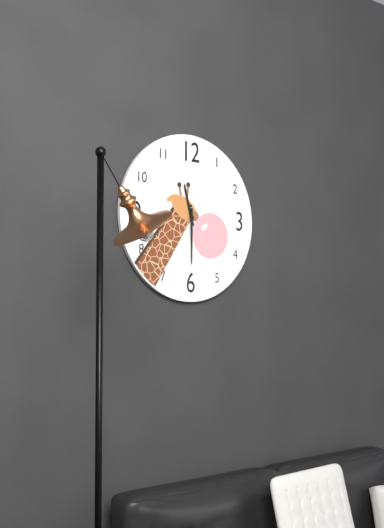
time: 11:30
